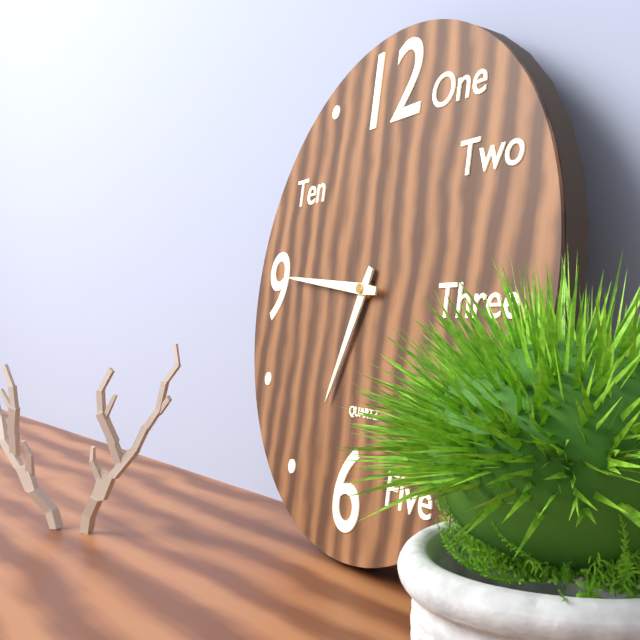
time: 6:46
